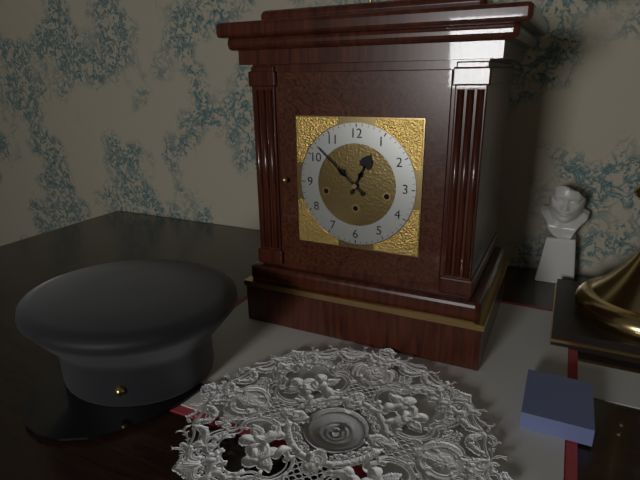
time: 12:52
